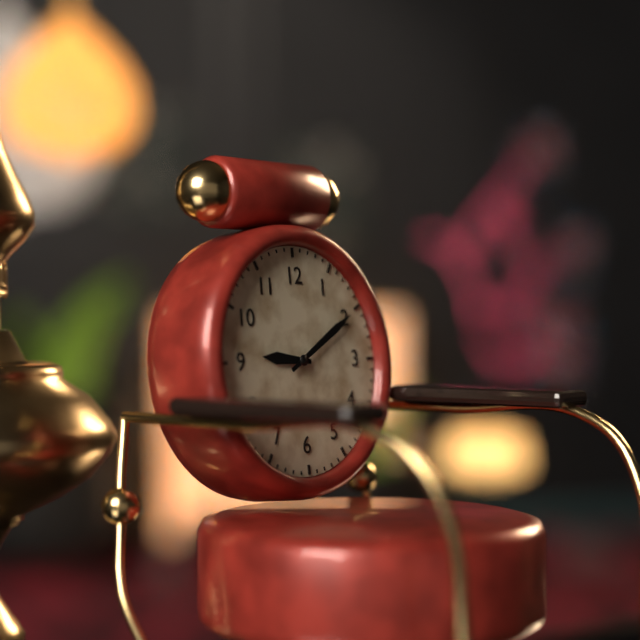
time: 9:10
